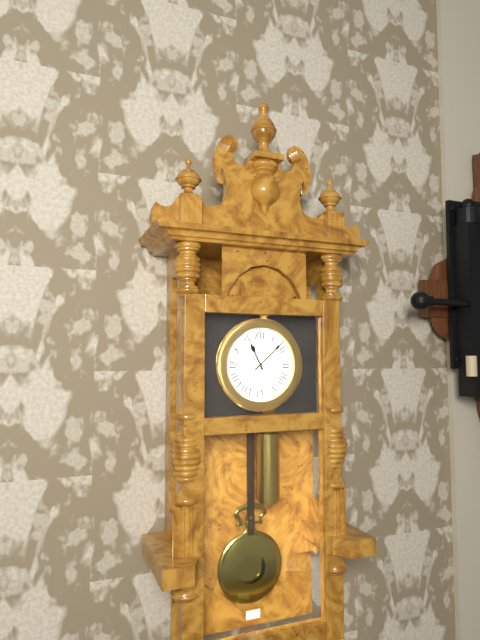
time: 11:08
